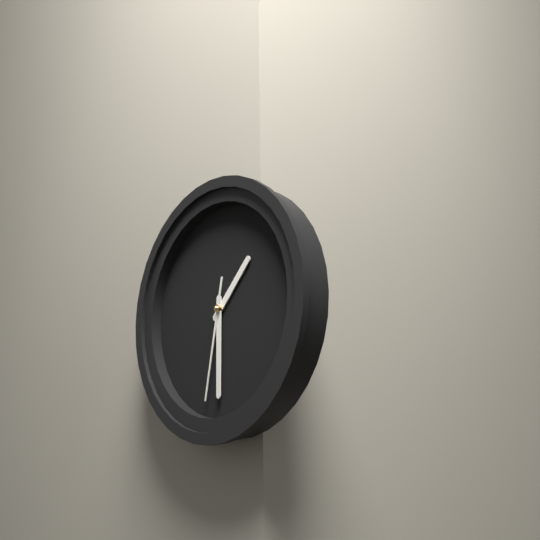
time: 1:30:32
